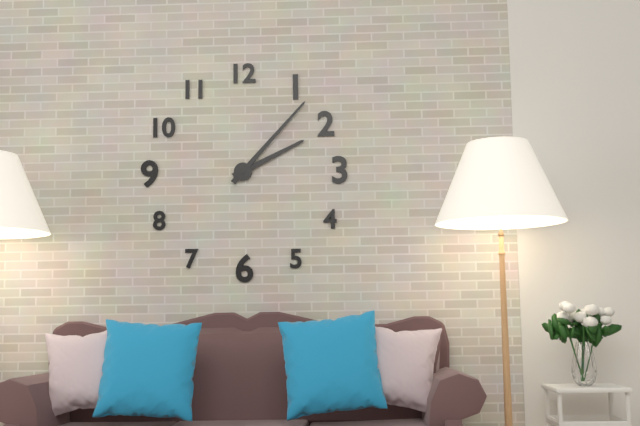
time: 2:07
